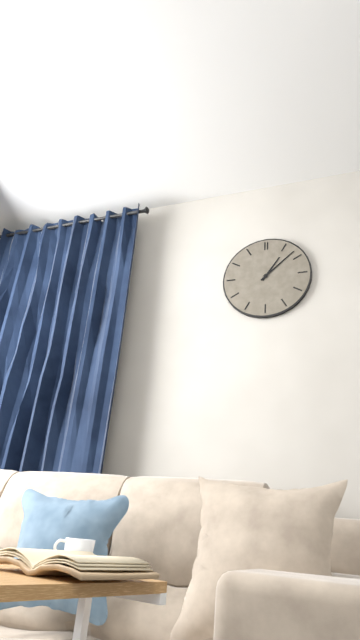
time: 1:08
